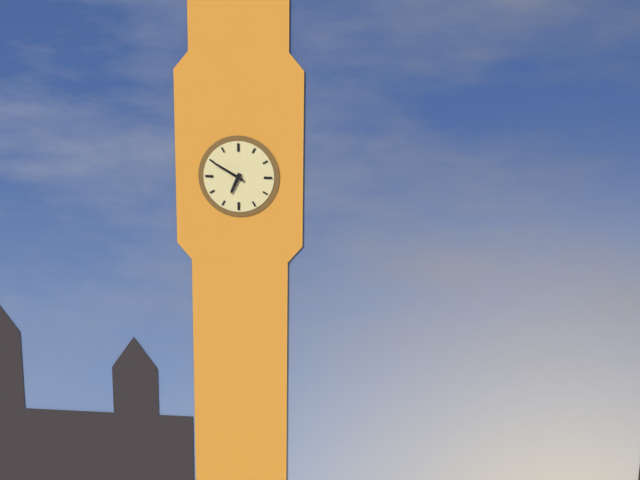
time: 6:50
